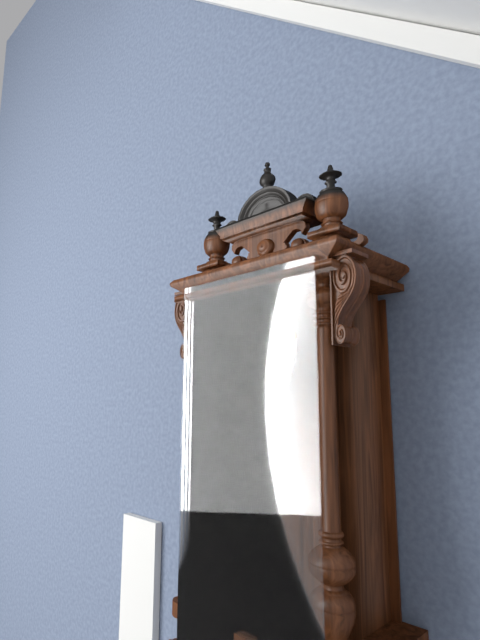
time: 7:29
